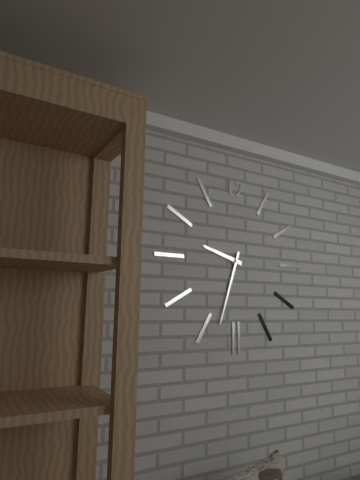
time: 9:33
